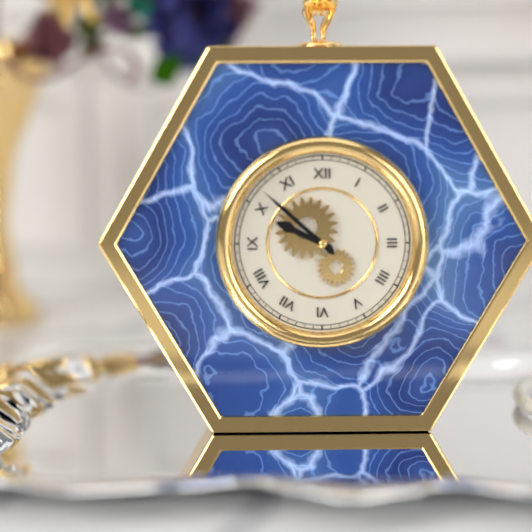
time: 9:52
